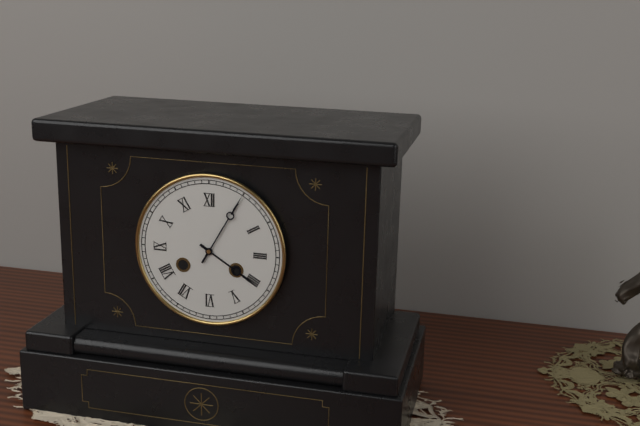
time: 4:05
